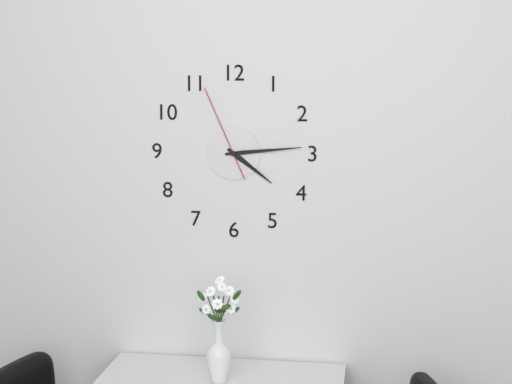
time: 4:14:56
